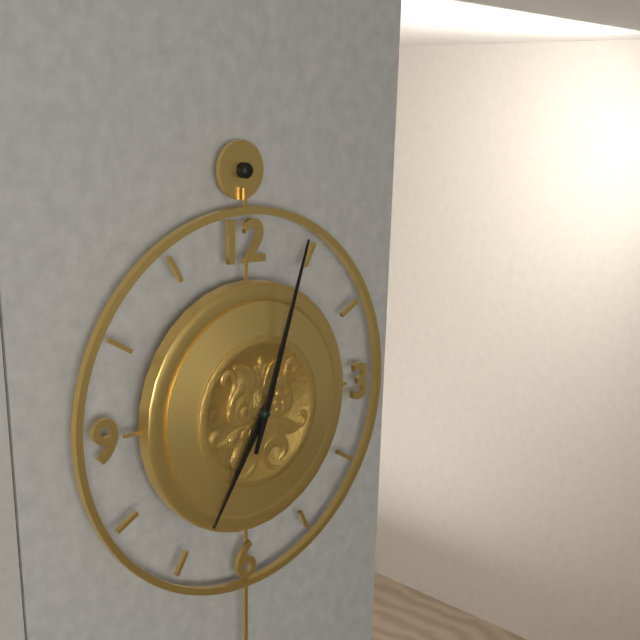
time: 7:03
